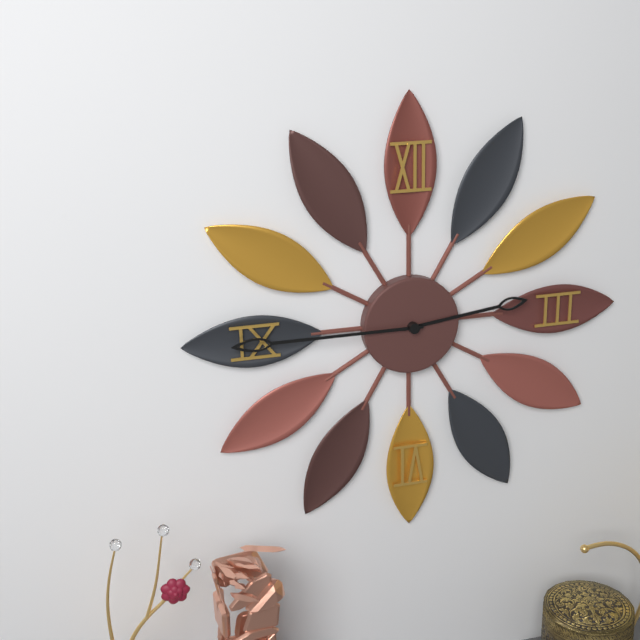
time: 2:45
